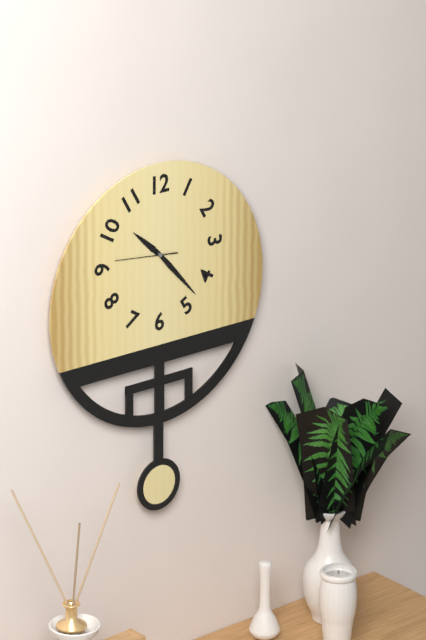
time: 10:23:46
